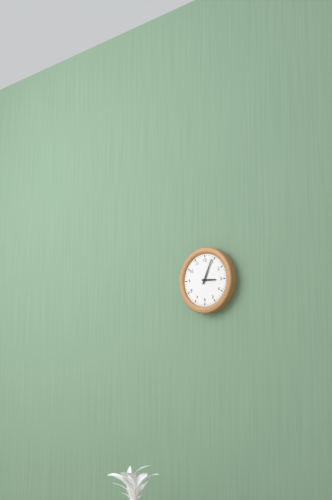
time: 3:04
